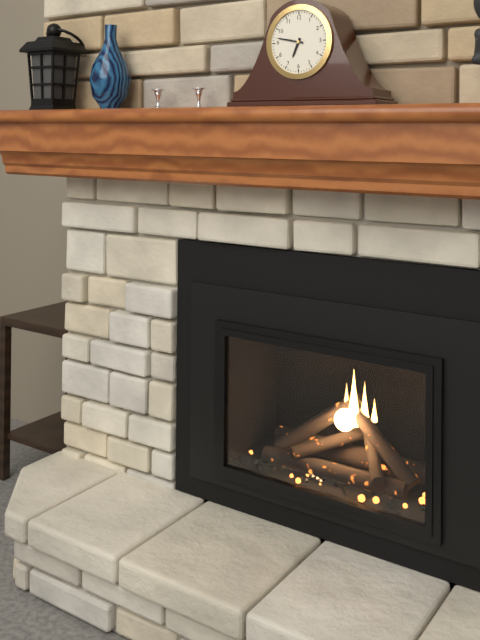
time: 6:47
